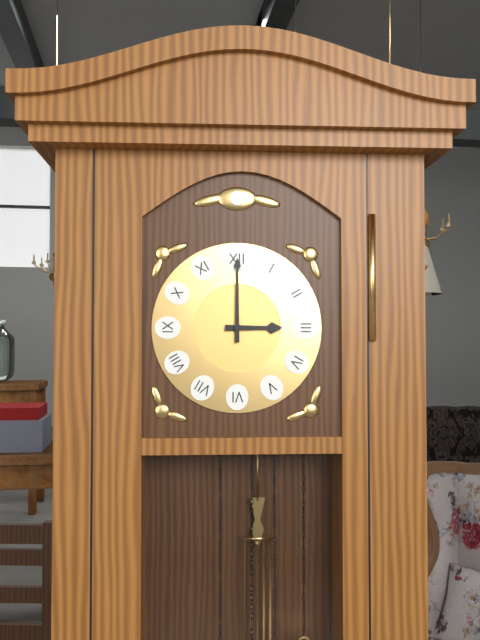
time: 3:00
